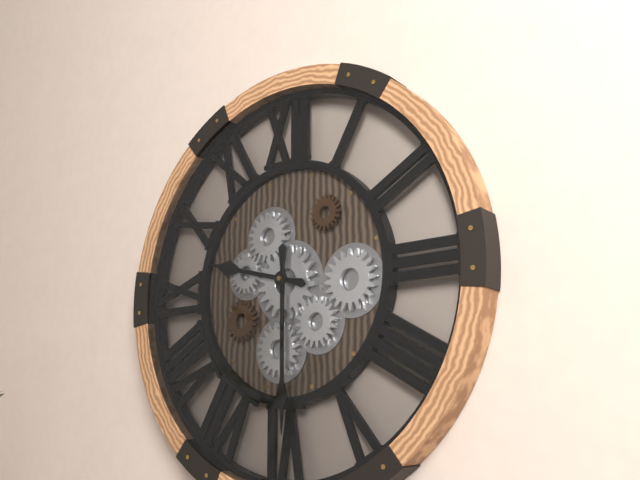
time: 9:30
